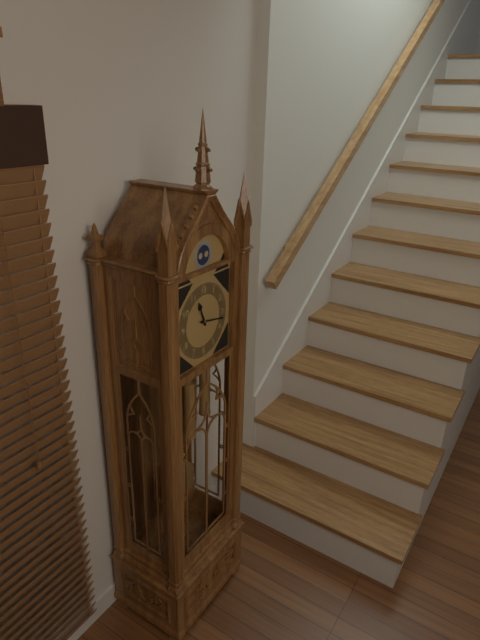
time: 11:17
